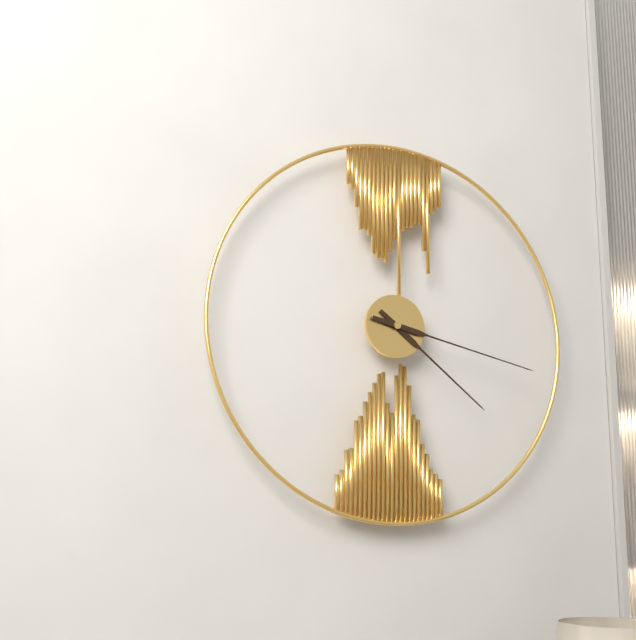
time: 4:17
